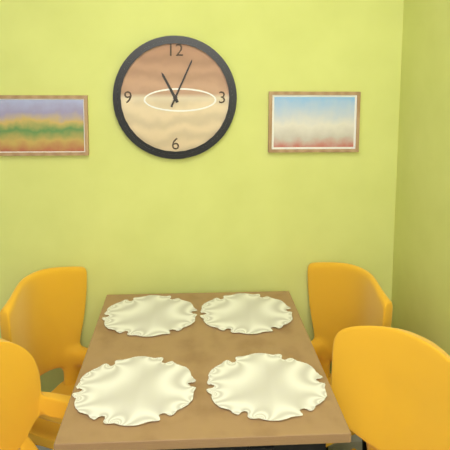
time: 11:04
